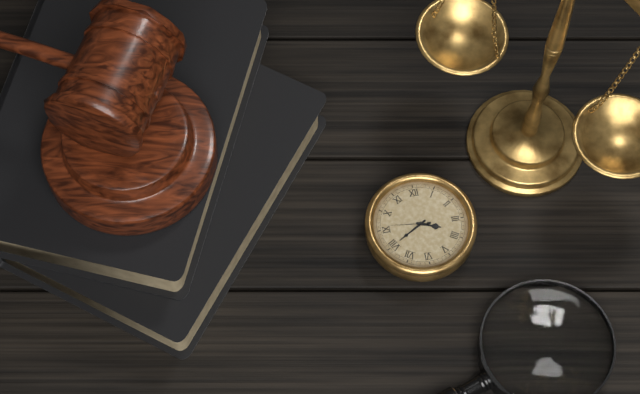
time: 3:40
